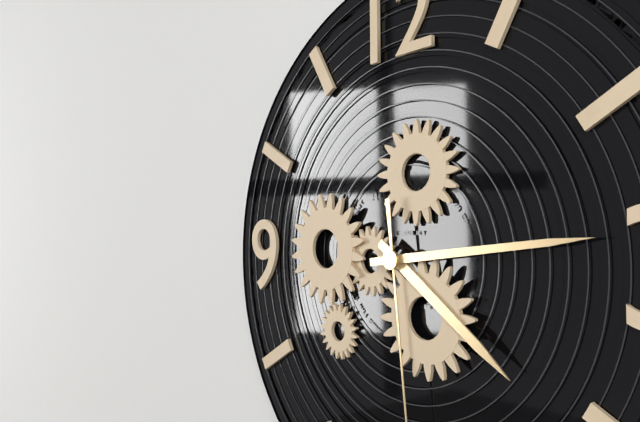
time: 4:14
